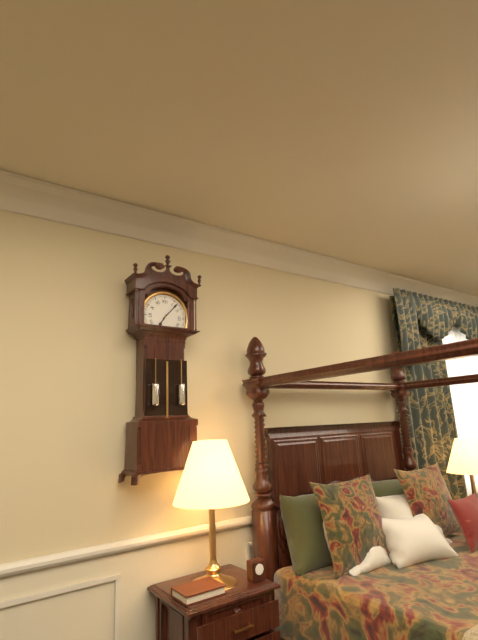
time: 7:07
